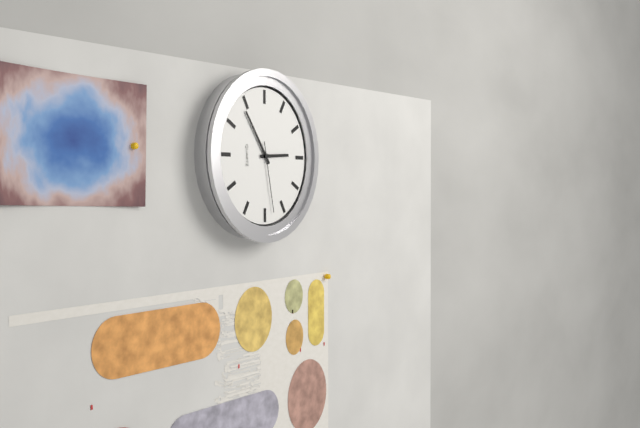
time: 2:54:28
